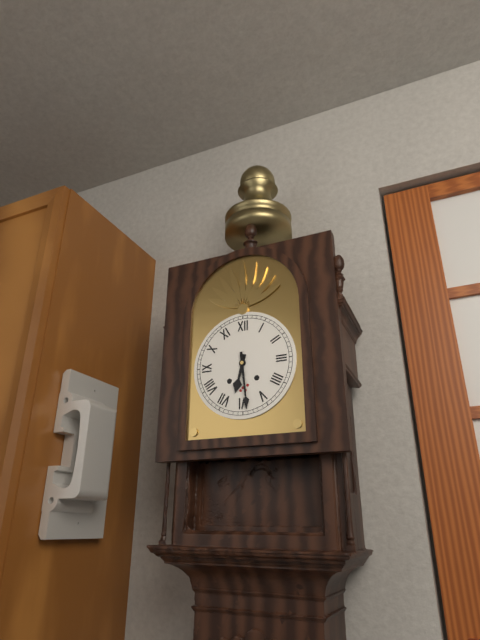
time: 6:29
